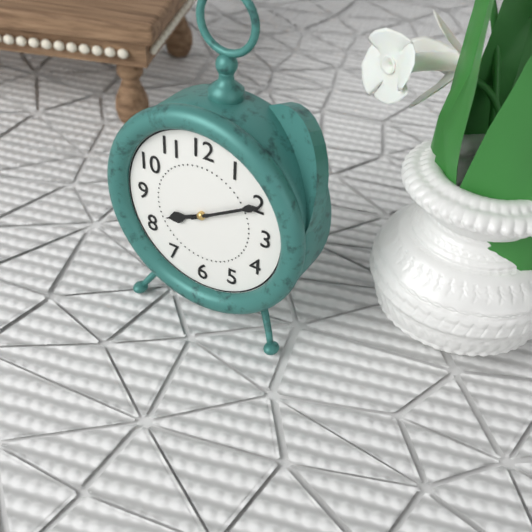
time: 8:10
